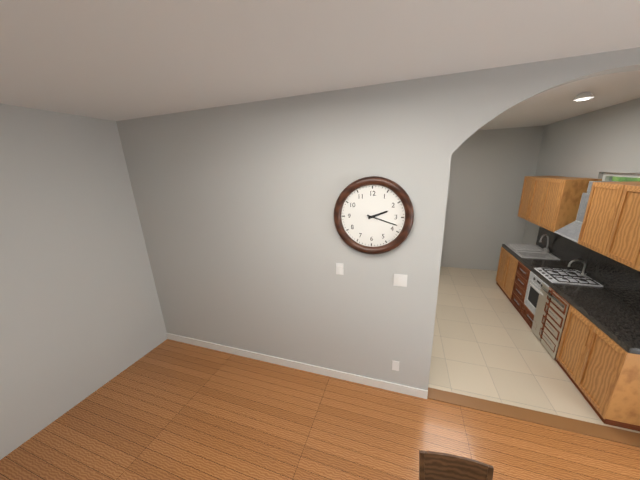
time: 2:18
